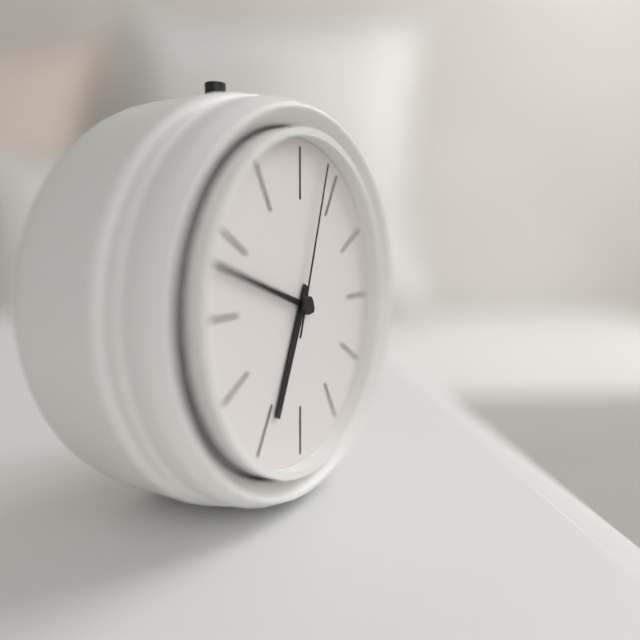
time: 6:48:03
